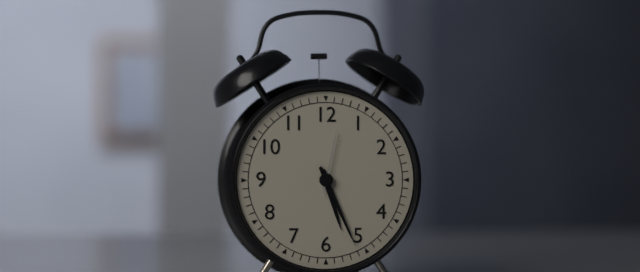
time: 5:26:02
